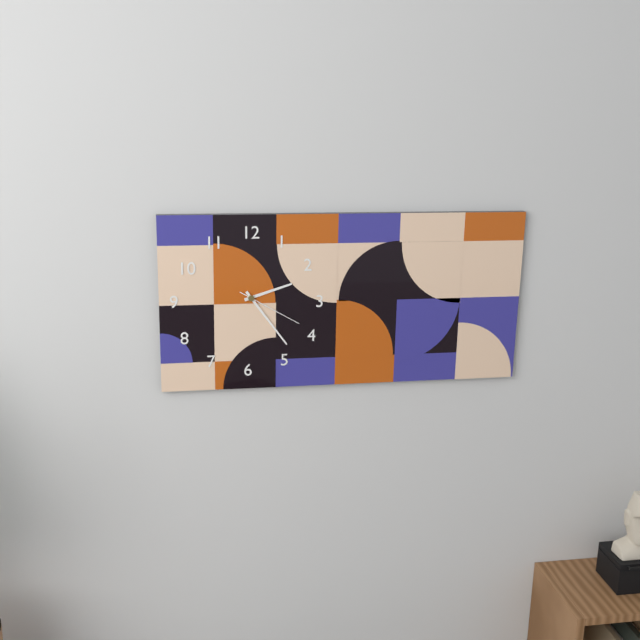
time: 2:24:20
